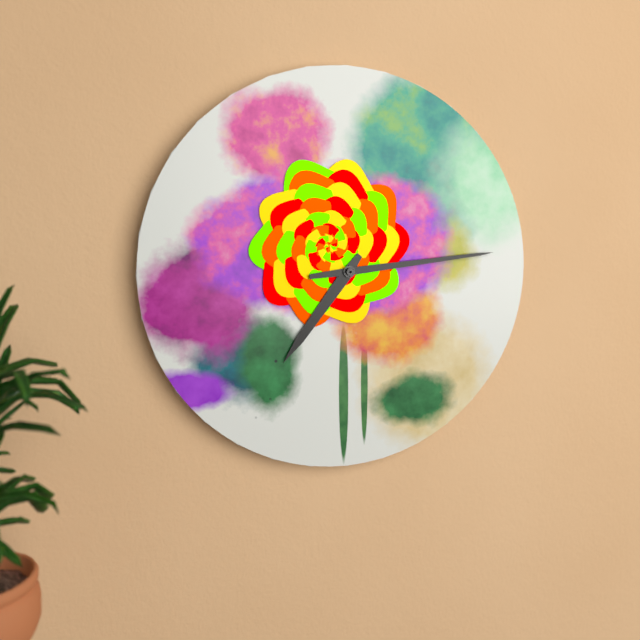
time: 7:14
